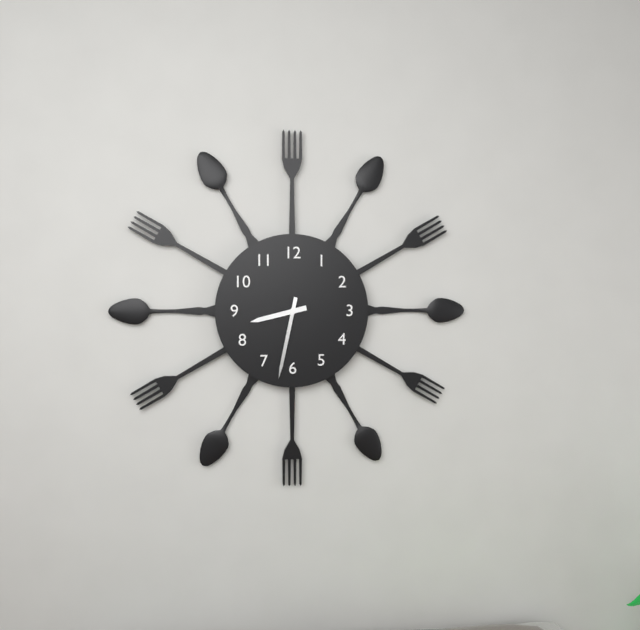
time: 8:32
